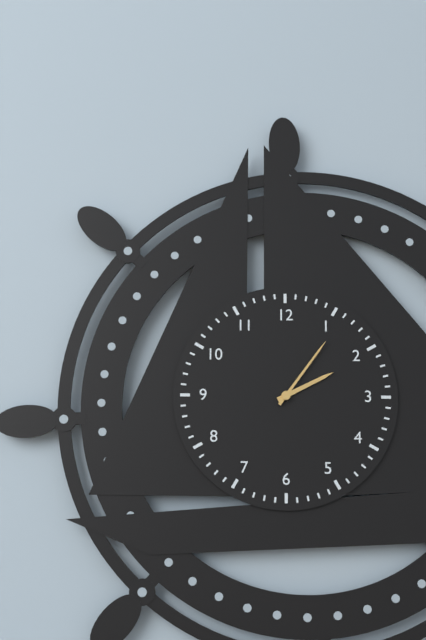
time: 2:06
